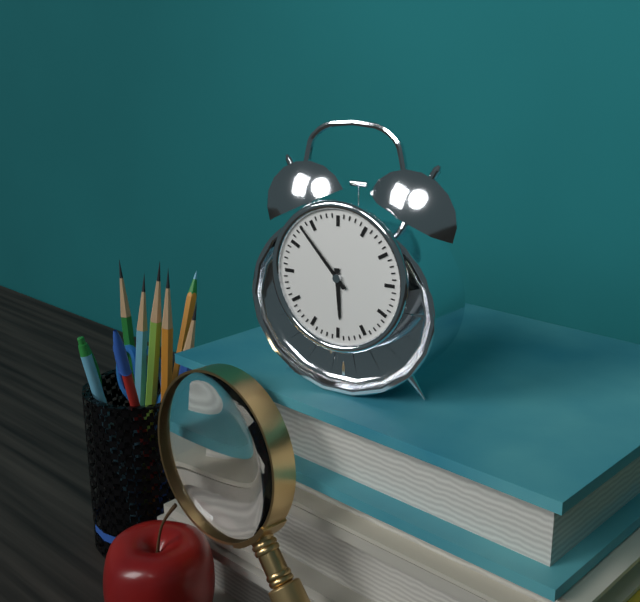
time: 5:53
